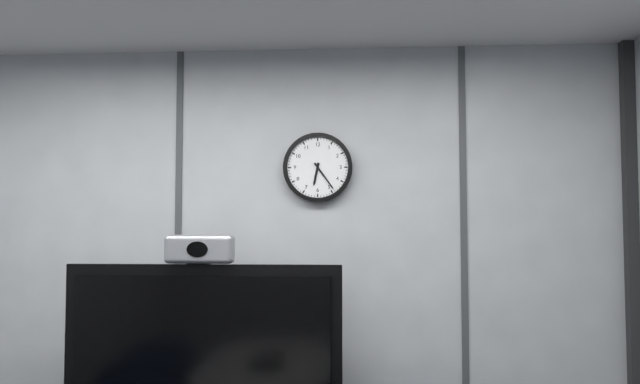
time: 6:24
